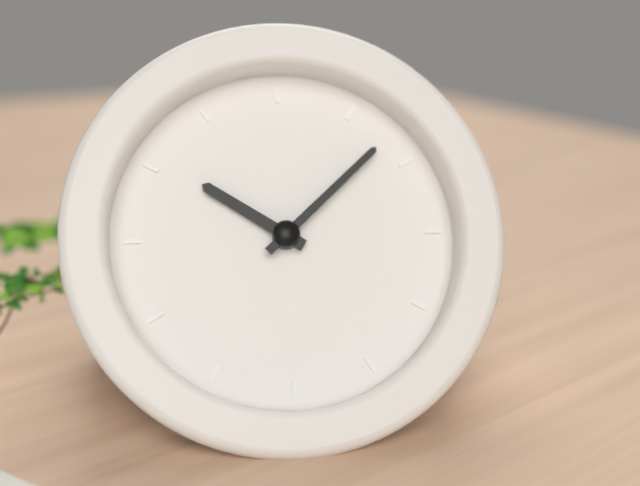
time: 10:08
